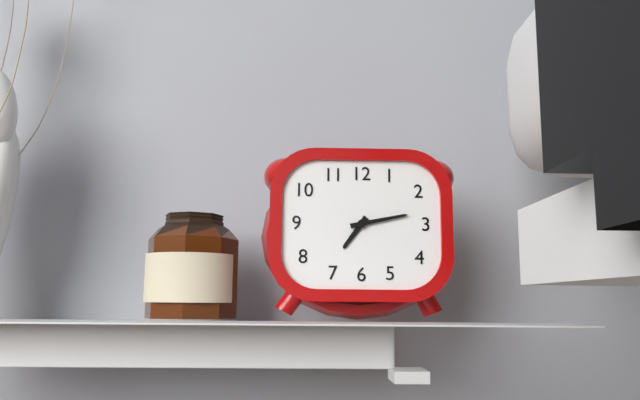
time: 7:13
